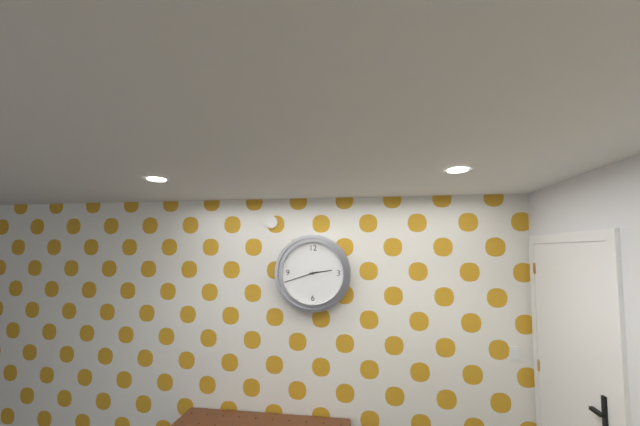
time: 2:42
